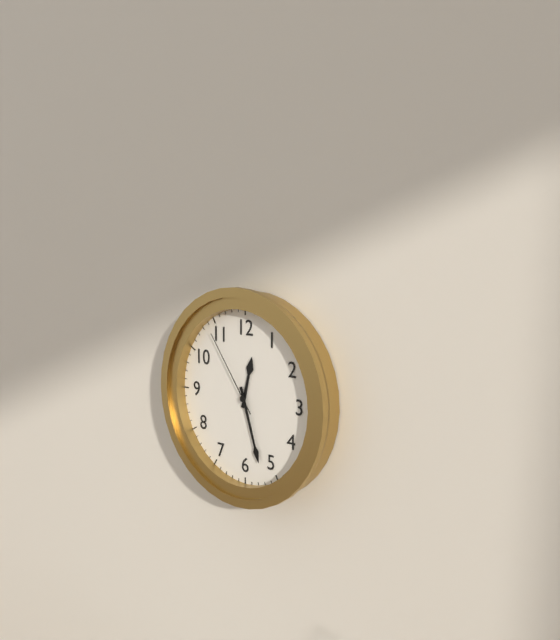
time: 12:27:54
